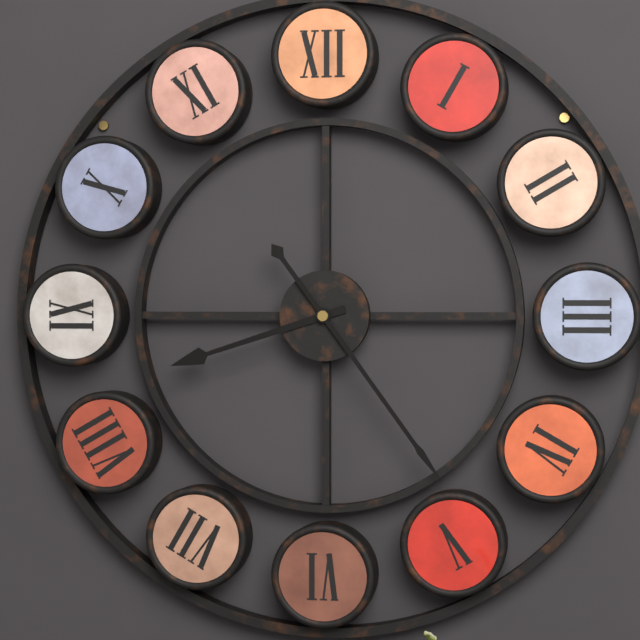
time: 8:24
